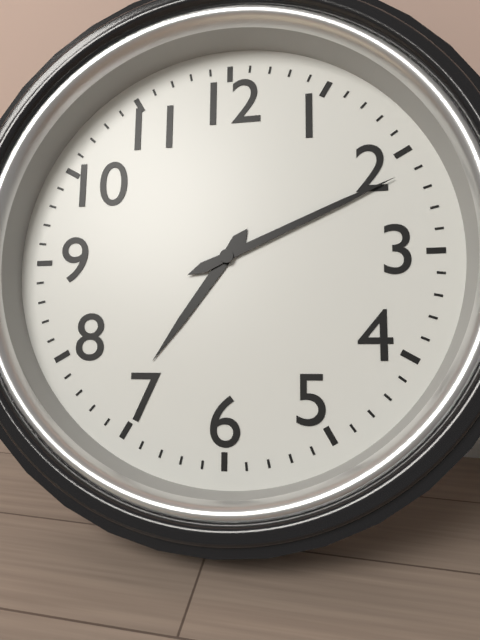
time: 7:11
